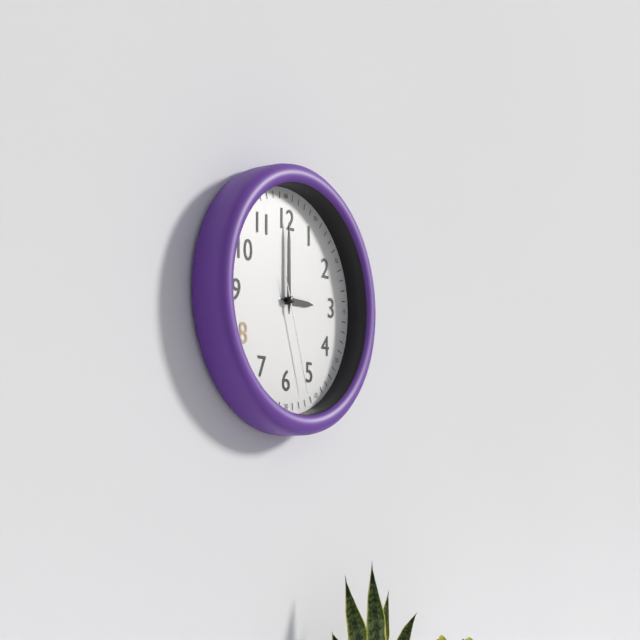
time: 3:00:27
